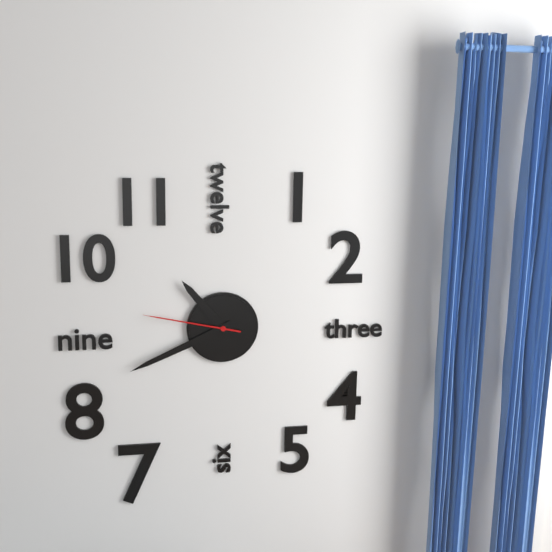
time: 10:41:47
